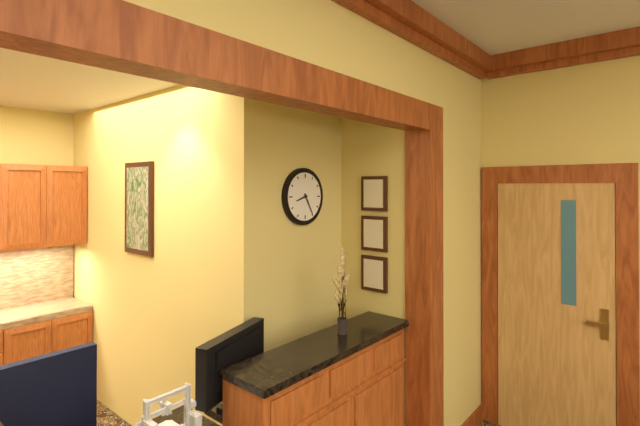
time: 8:25
